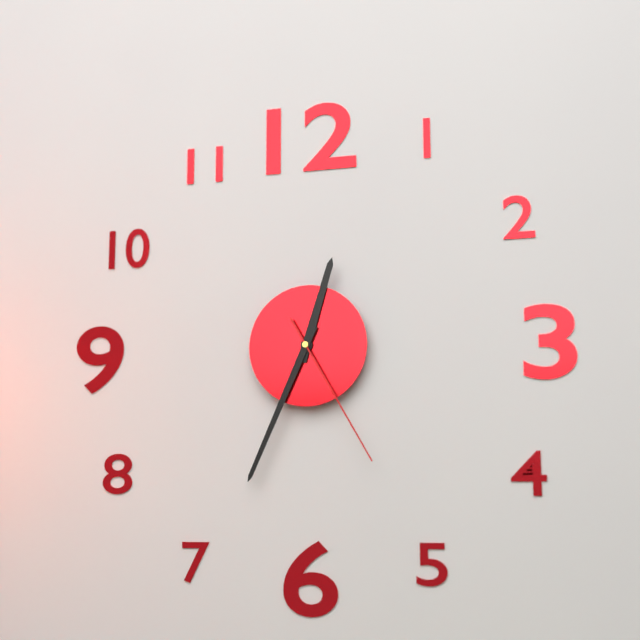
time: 12:34:25
